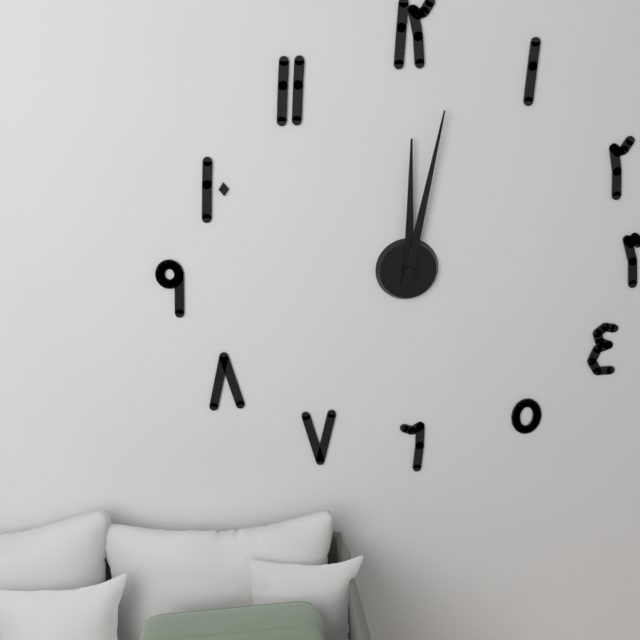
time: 12:02
